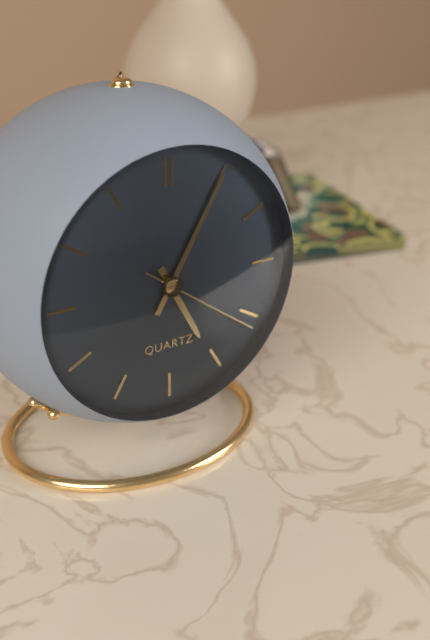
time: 5:05:21
